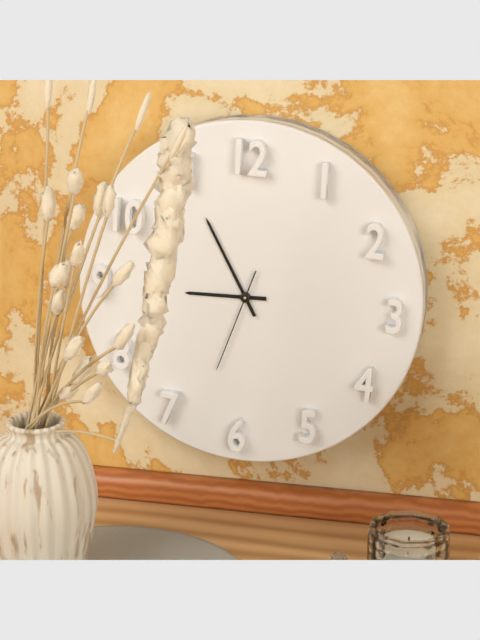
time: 8:55:33
